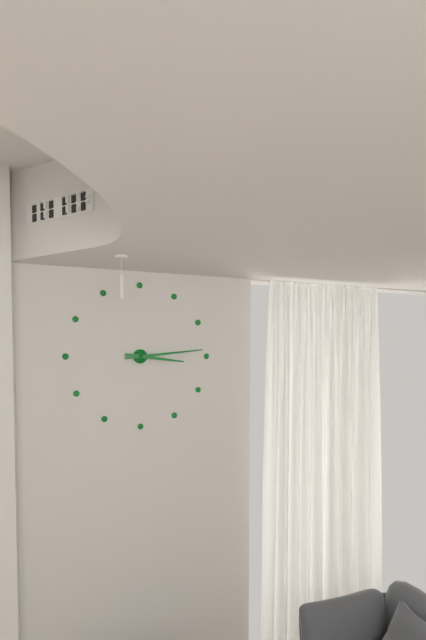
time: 3:14
